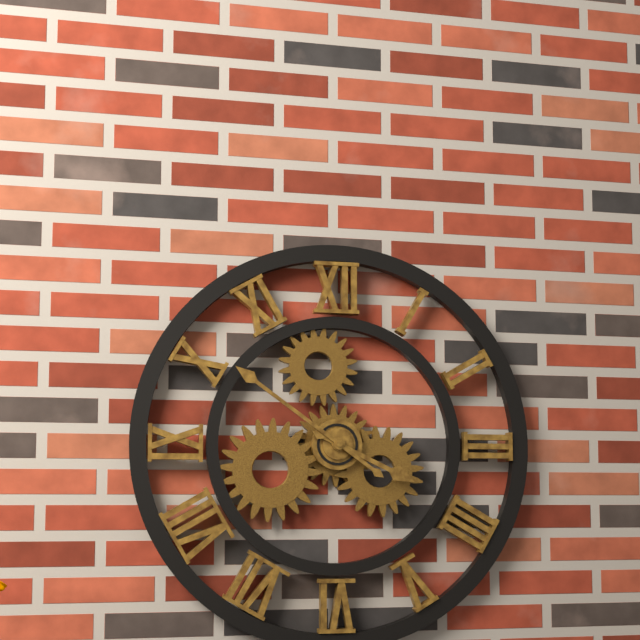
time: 3:51
